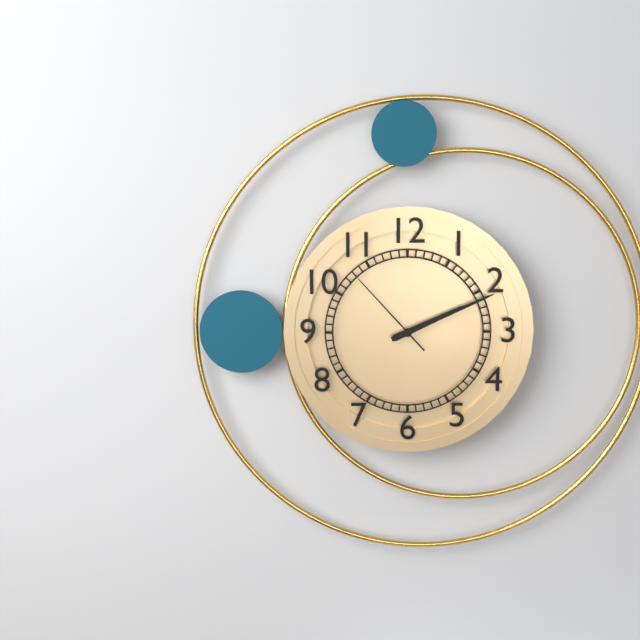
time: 2:11:53
